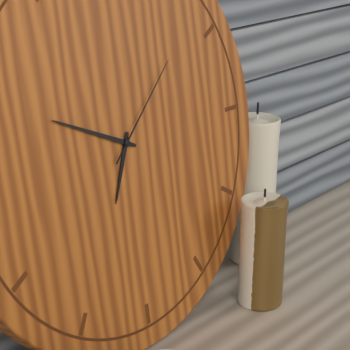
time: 6:49:08
